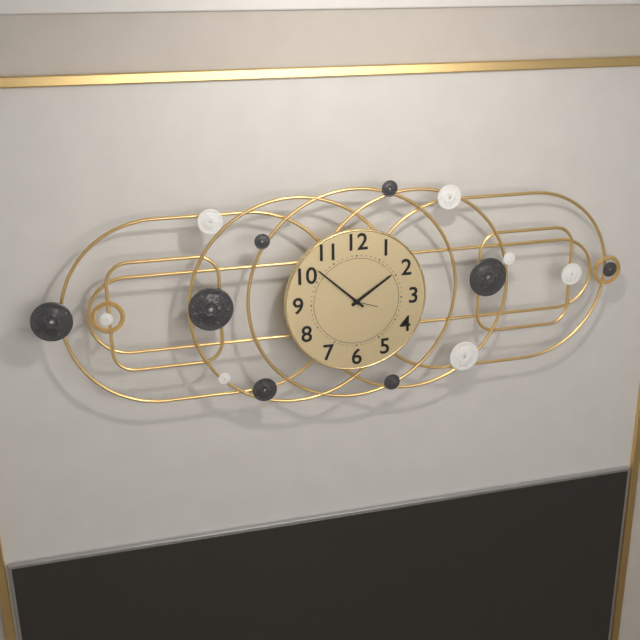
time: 1:52
